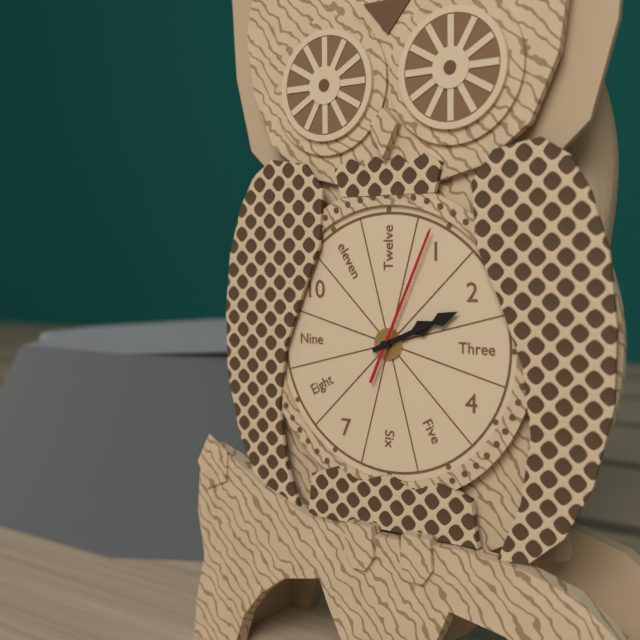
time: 2:11:04
